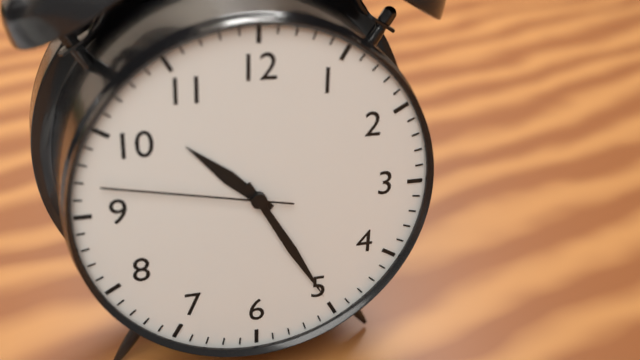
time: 10:25:47
